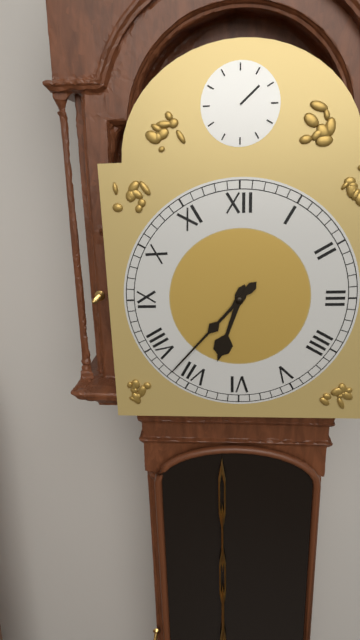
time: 6:37
